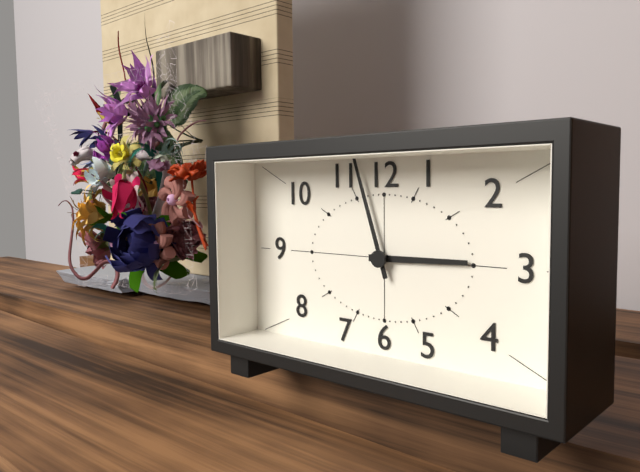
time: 2:57
